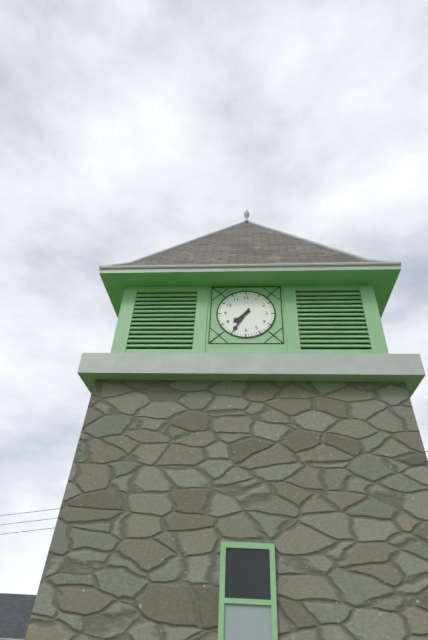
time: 7:35
